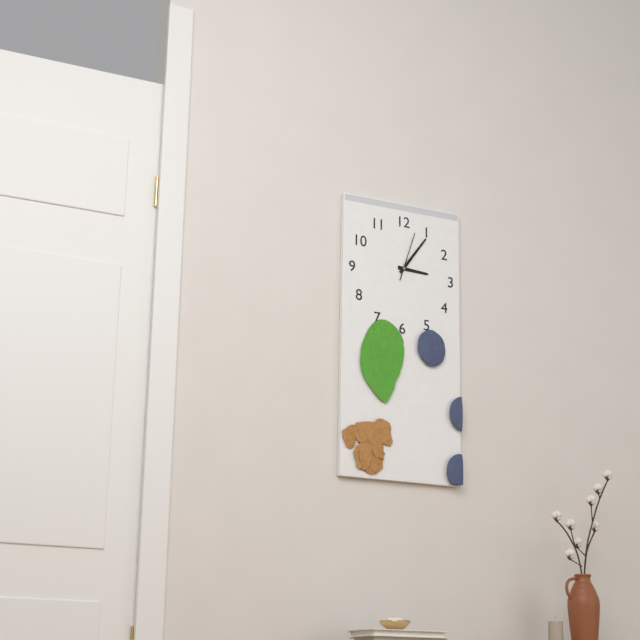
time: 3:06
